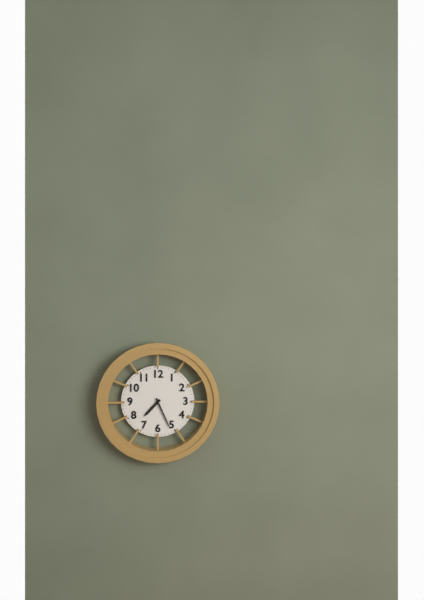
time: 7:26
